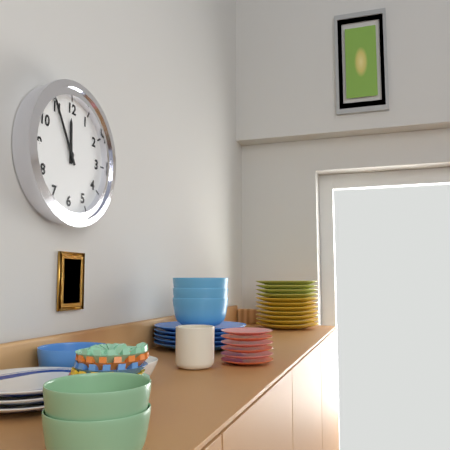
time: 11:55
